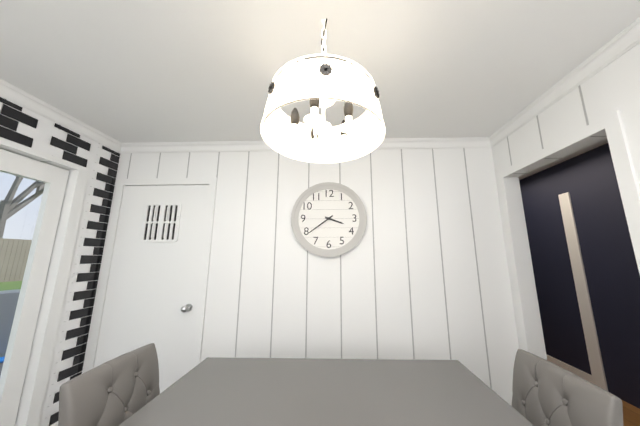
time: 3:39
